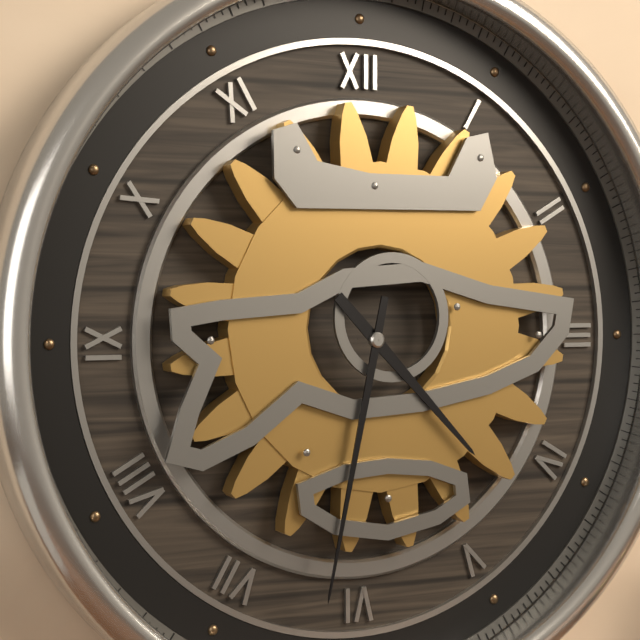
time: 4:32
